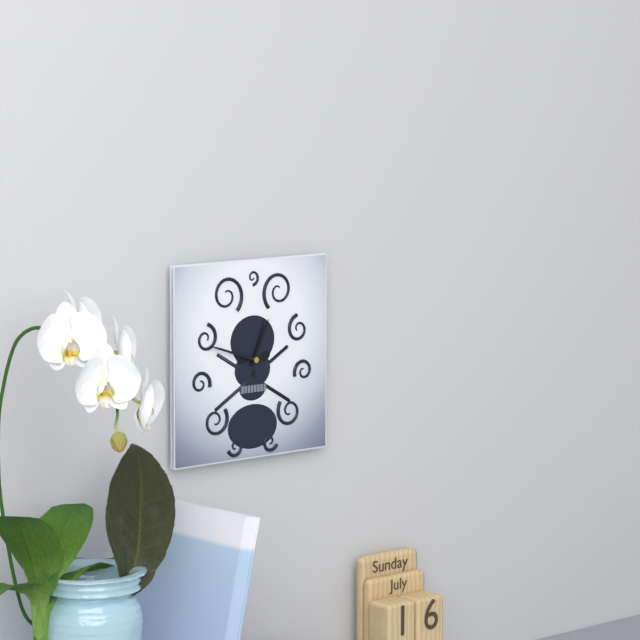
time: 12:48
